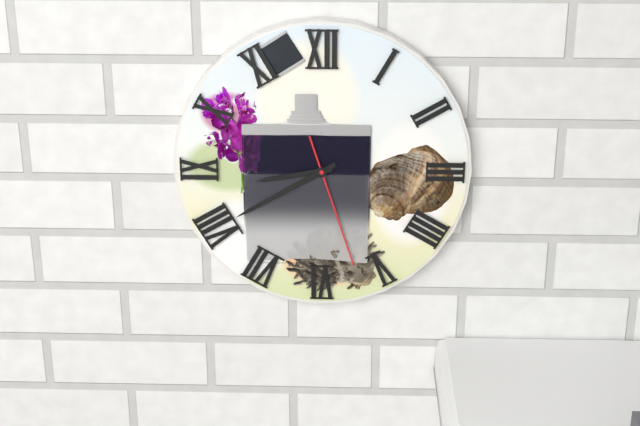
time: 8:40:27
